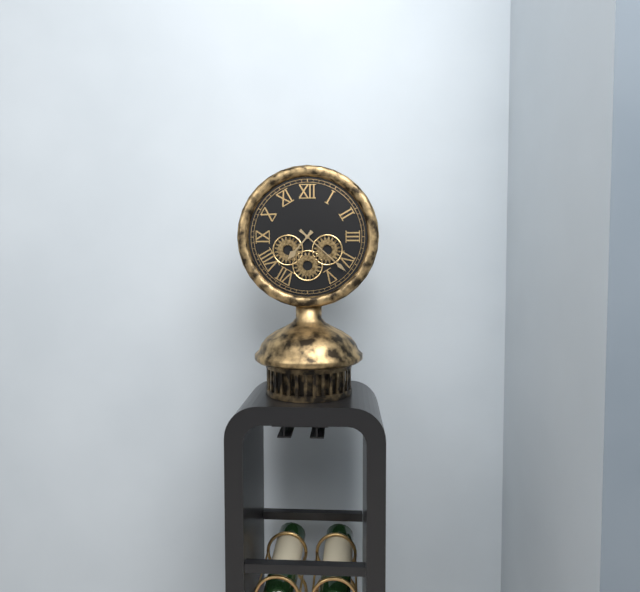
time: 7:22
